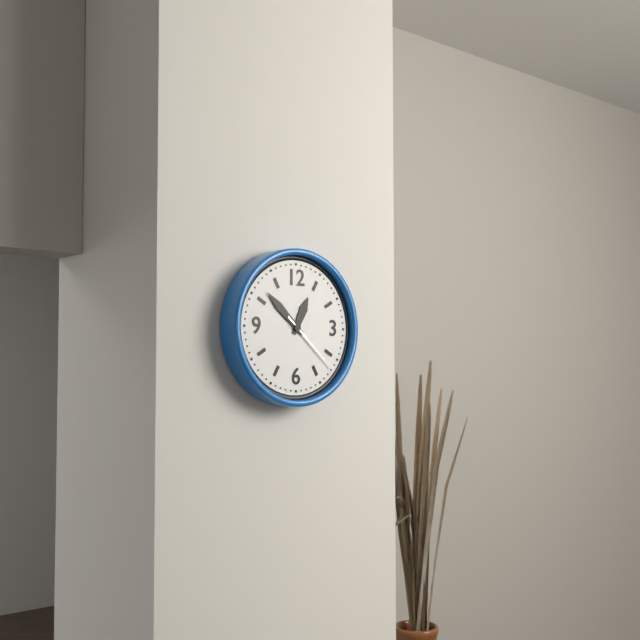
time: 12:52:22
